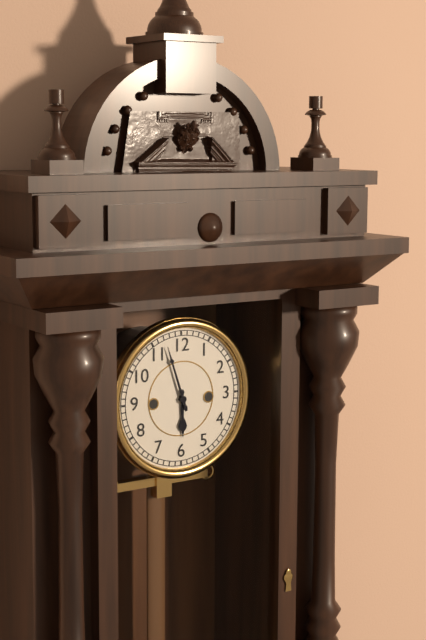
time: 5:57
